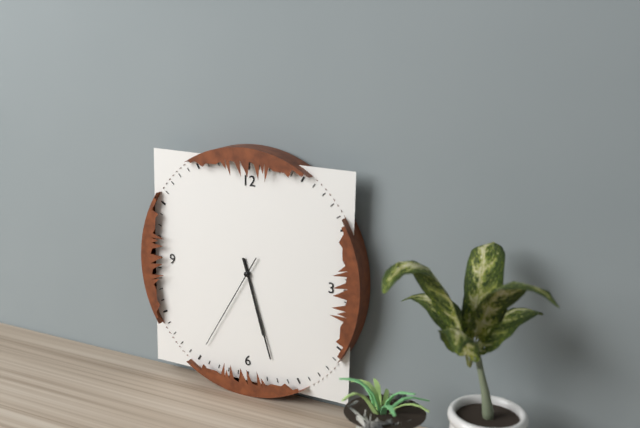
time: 5:27:35
